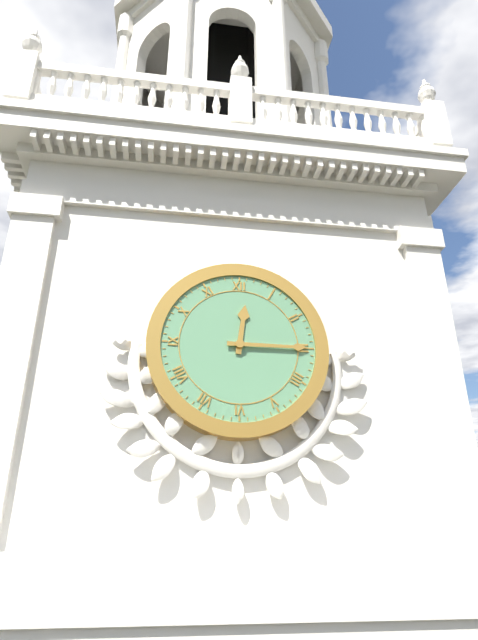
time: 12:15
